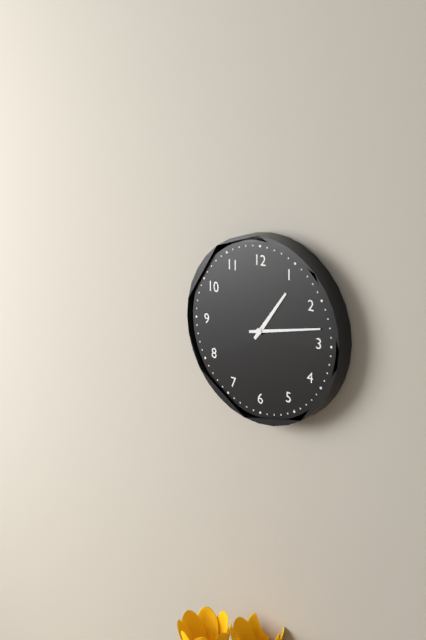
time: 1:13
